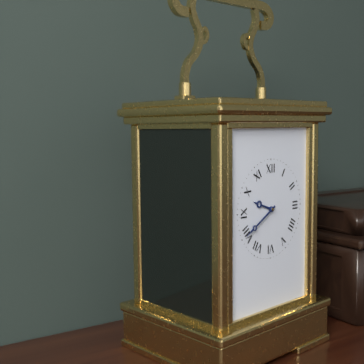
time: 9:40
